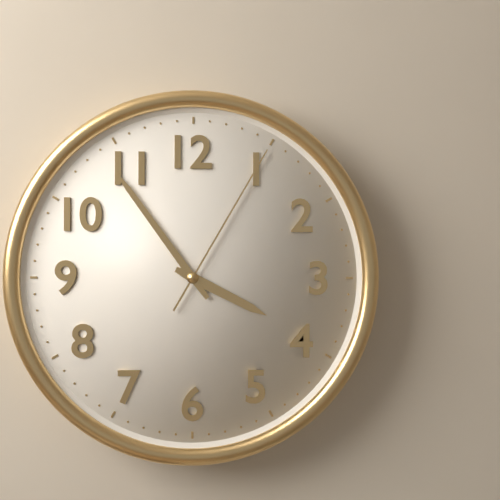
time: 3:54:05
